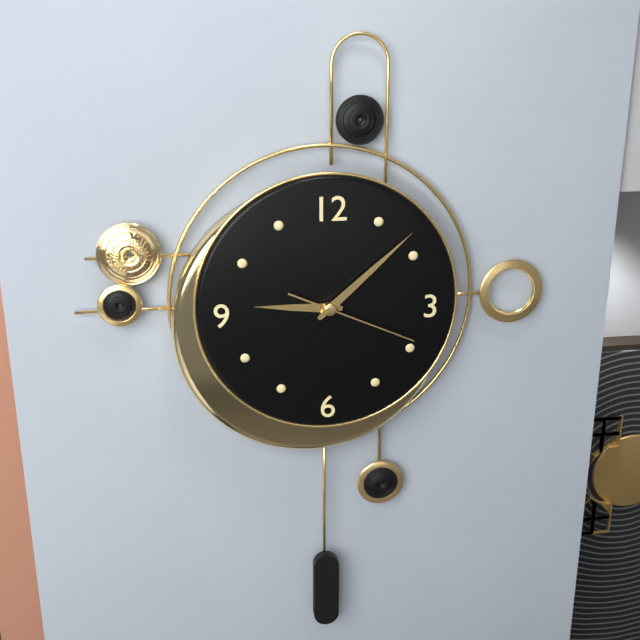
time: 9:08:19
